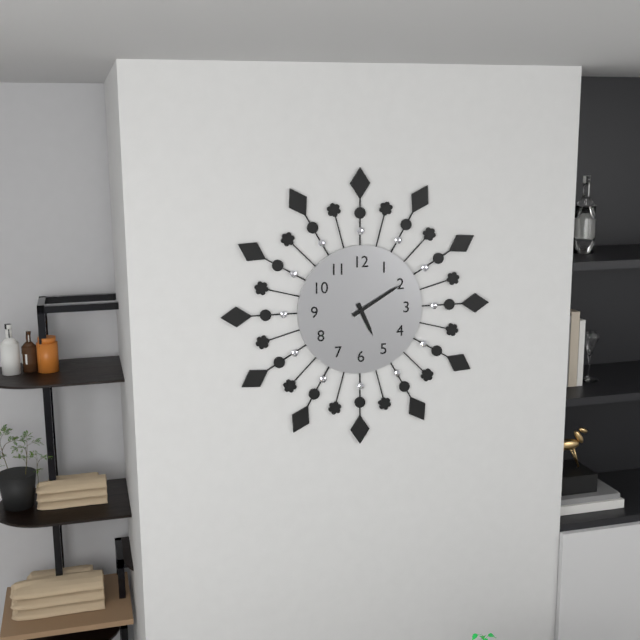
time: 5:10
